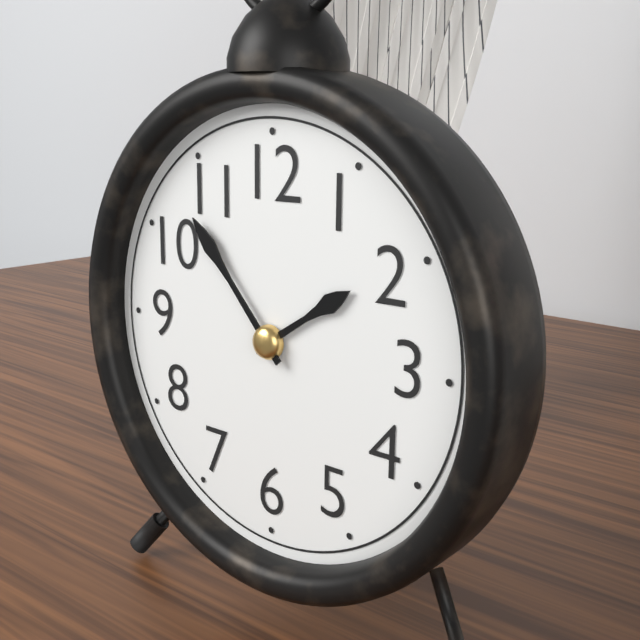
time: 1:53
